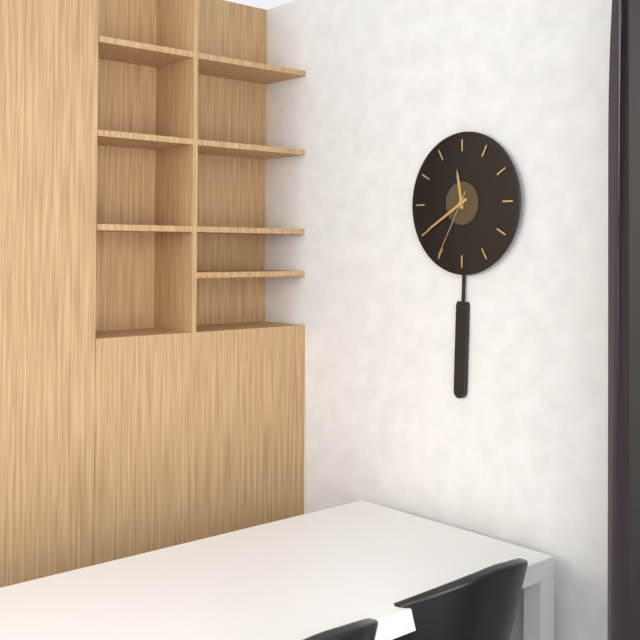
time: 11:40:35
